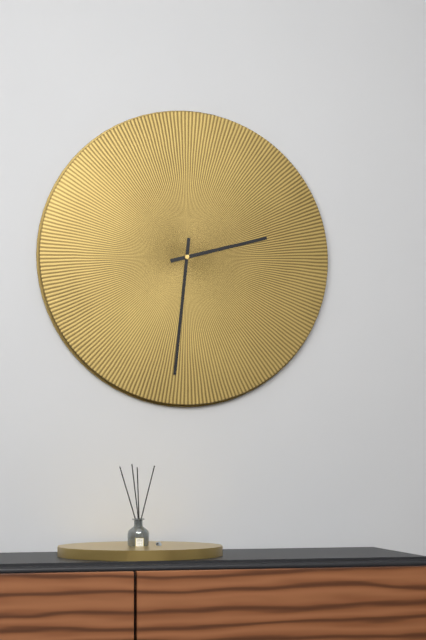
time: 2:31
